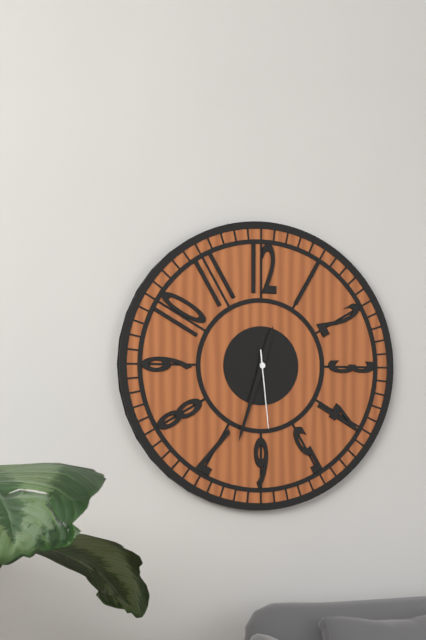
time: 12:33:29
